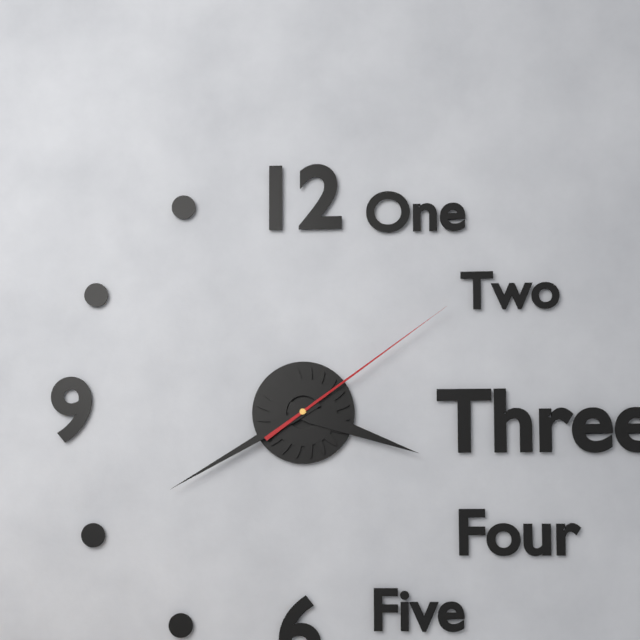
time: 3:40:09
